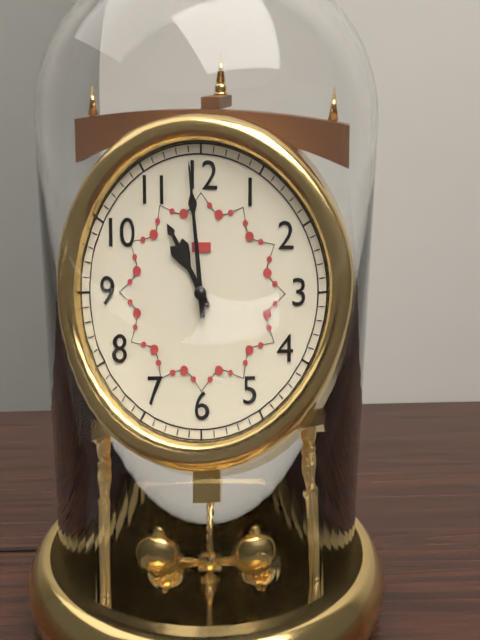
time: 10:59
